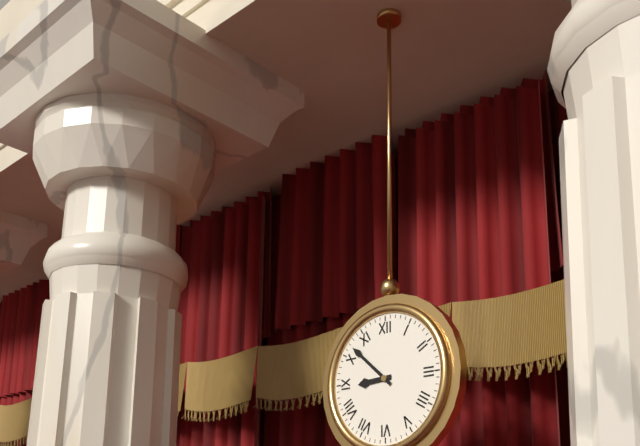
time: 8:52
